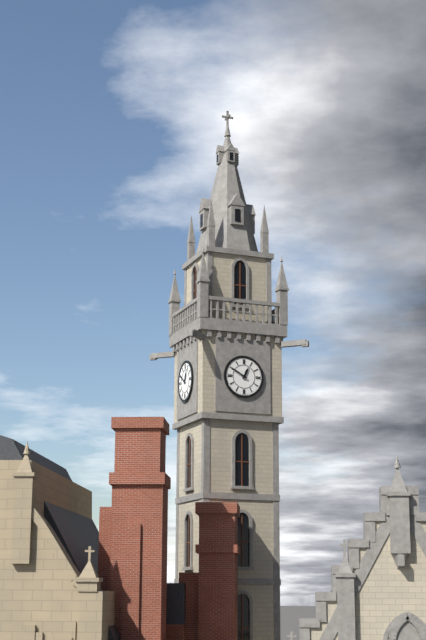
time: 12:50
